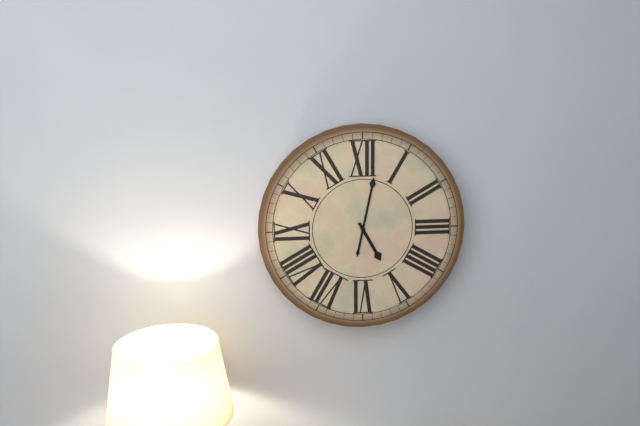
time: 5:02
